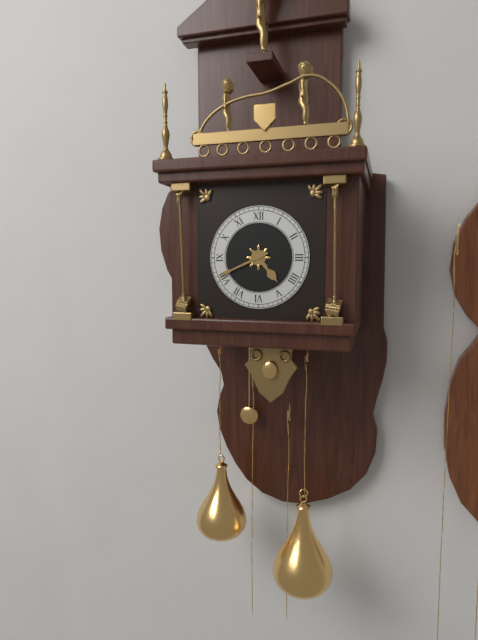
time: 4:41
